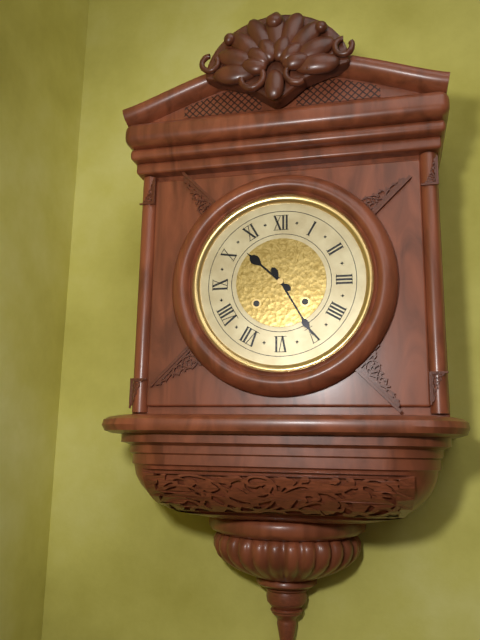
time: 10:25
